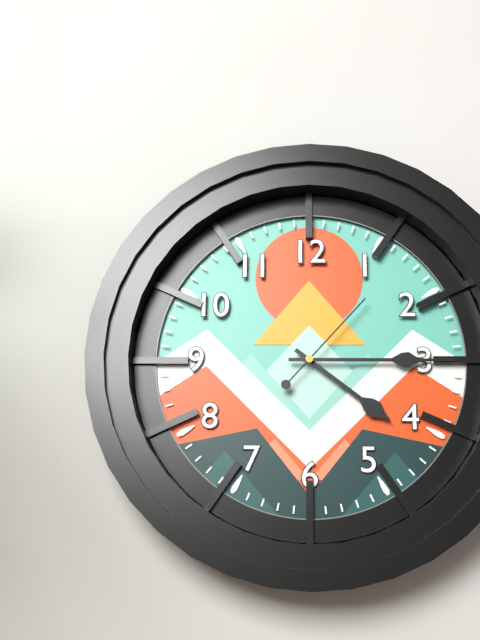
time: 4:15:07
